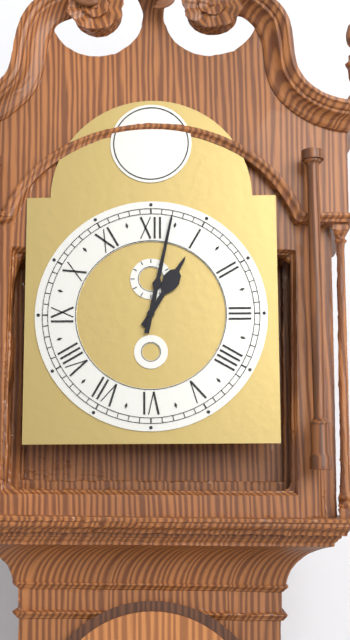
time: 1:02
